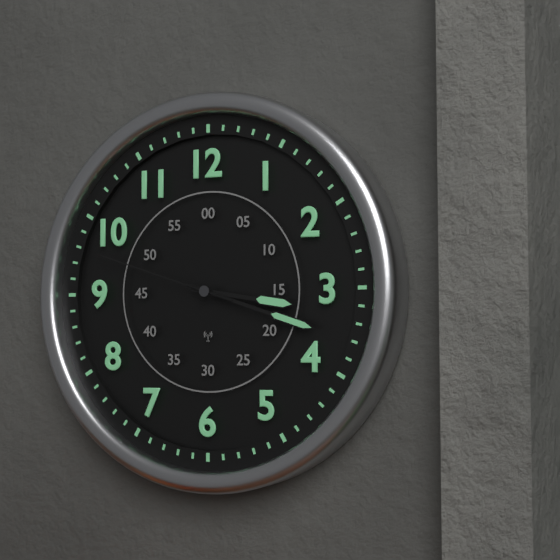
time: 3:18:48
